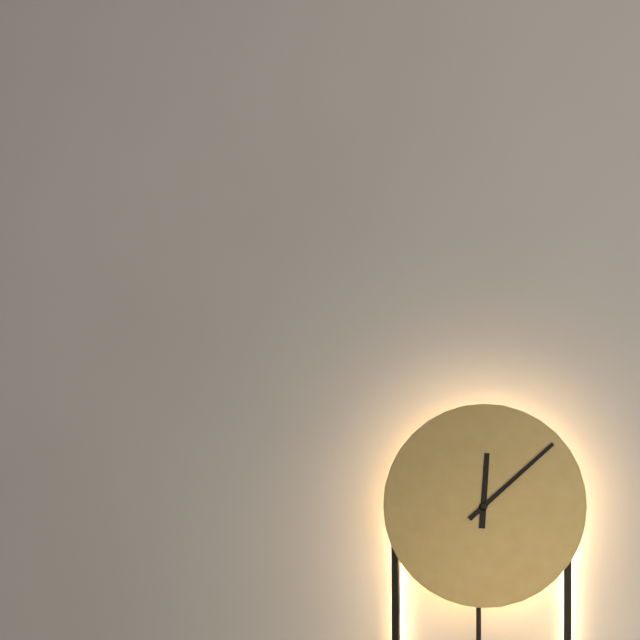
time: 12:08
